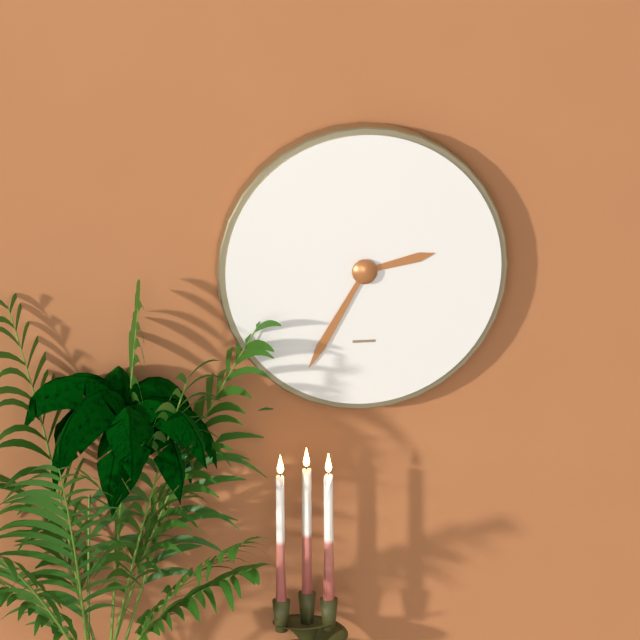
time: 2:35
